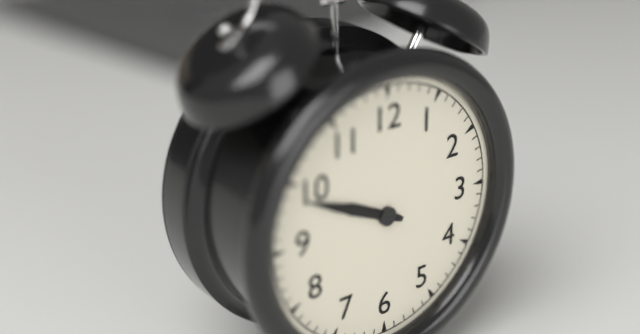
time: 9:49
